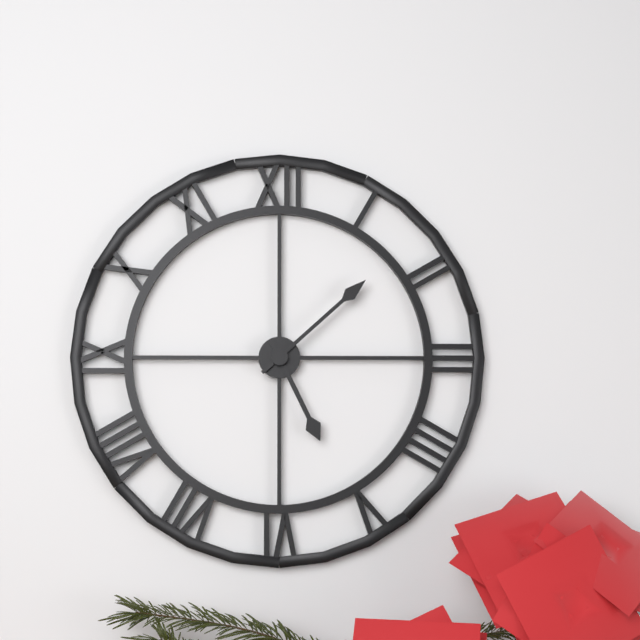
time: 5:08
